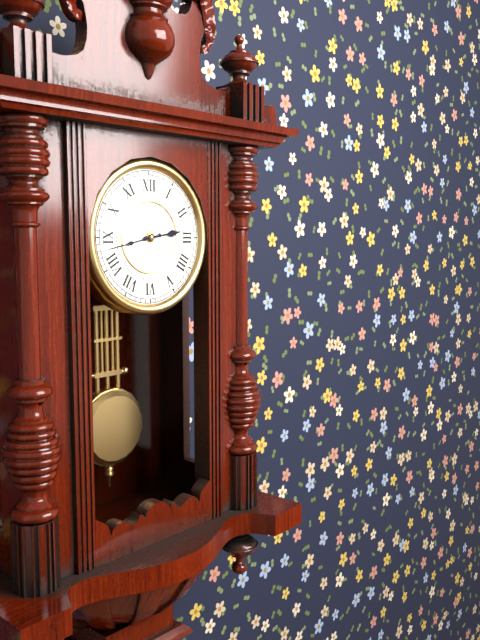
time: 2:43
